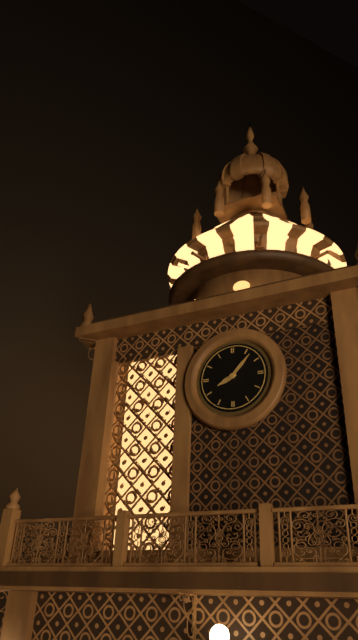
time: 8:07
